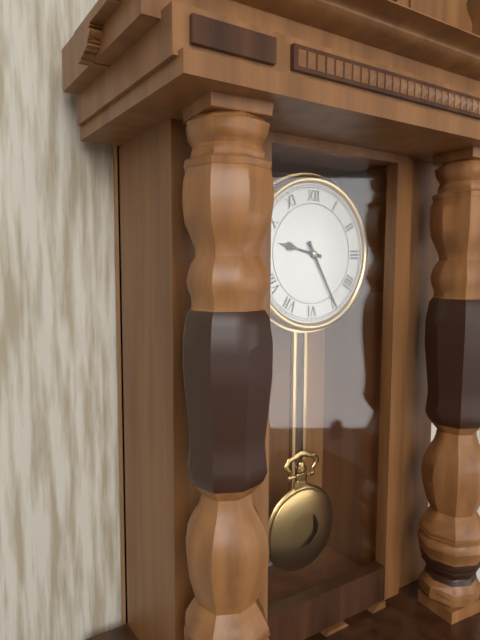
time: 9:25
